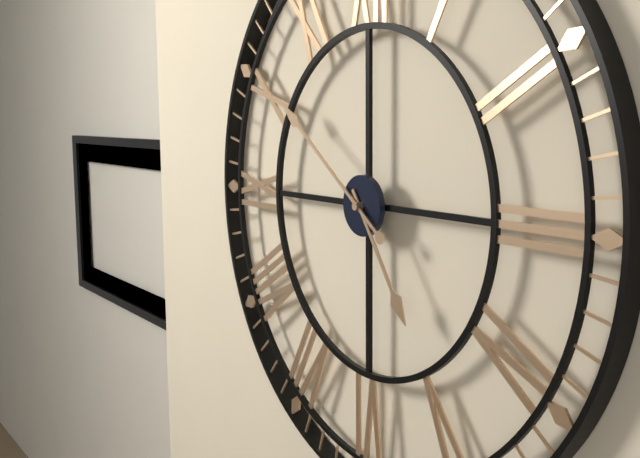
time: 4:51
